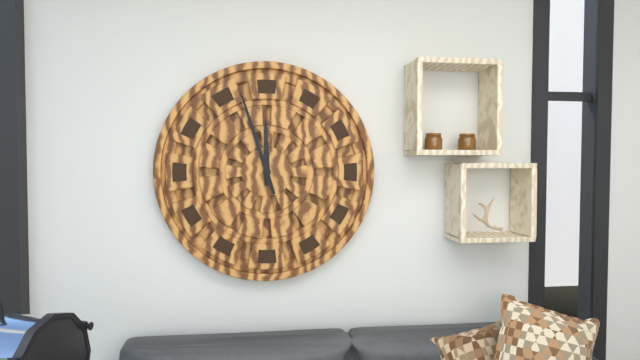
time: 11:57
